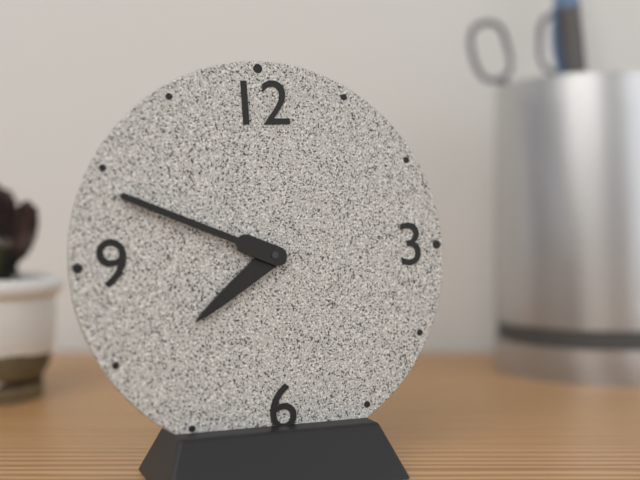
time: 7:49
